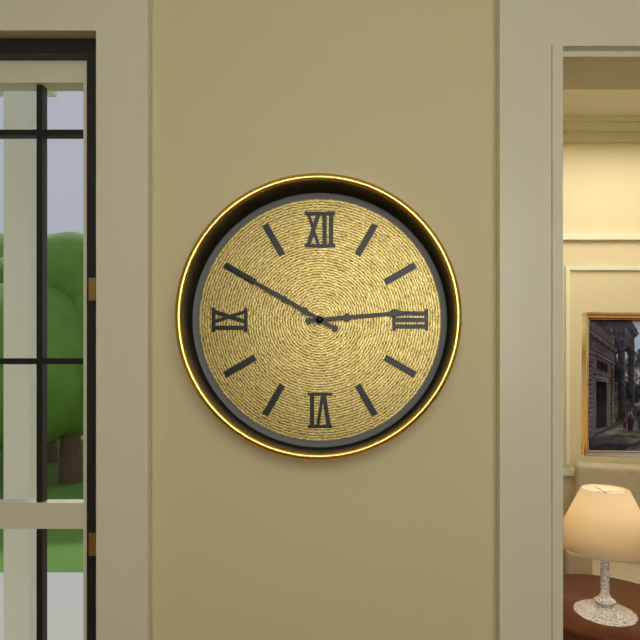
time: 2:50
